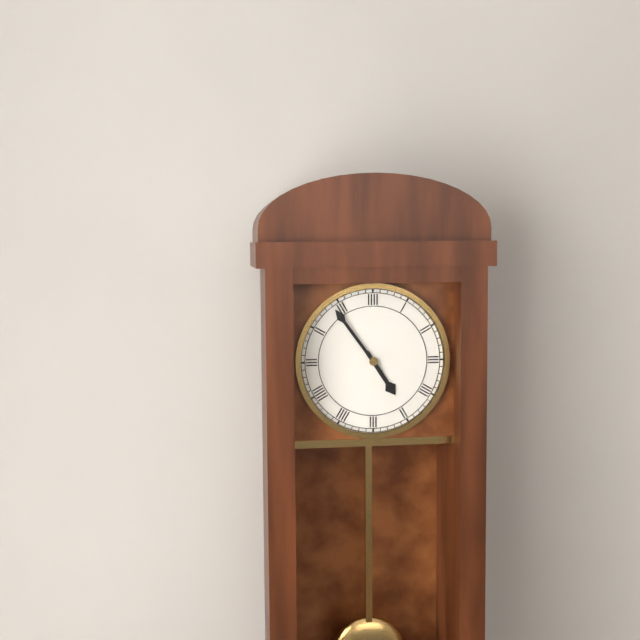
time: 4:54
